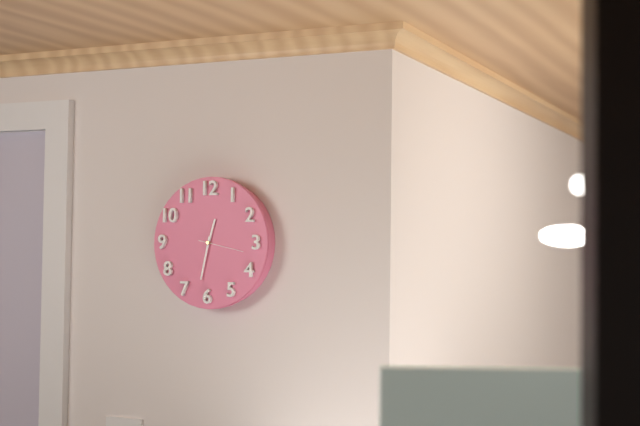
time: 12:32
